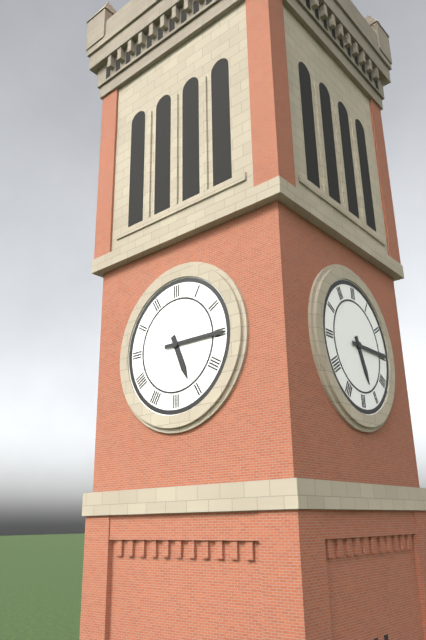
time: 5:15
